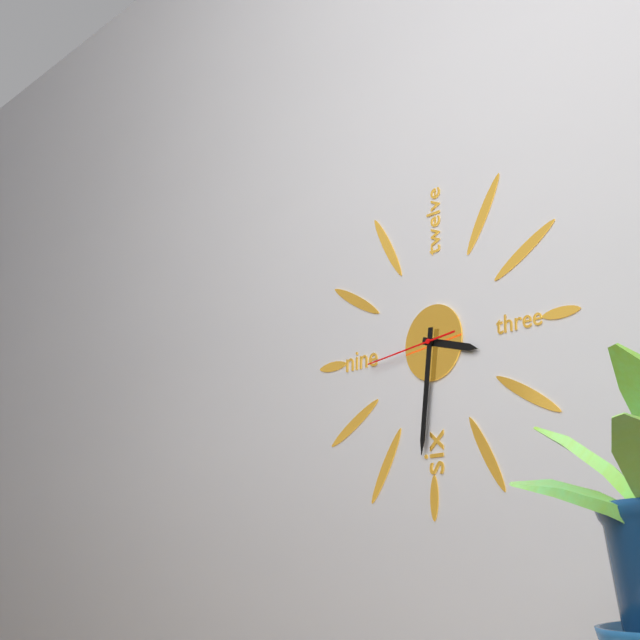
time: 3:31:44
